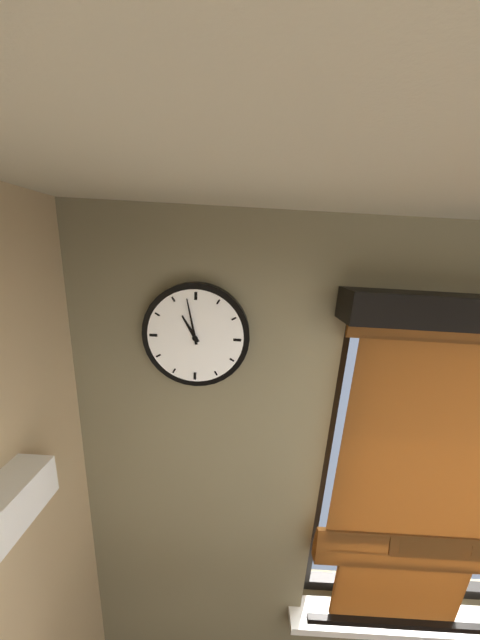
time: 10:58
